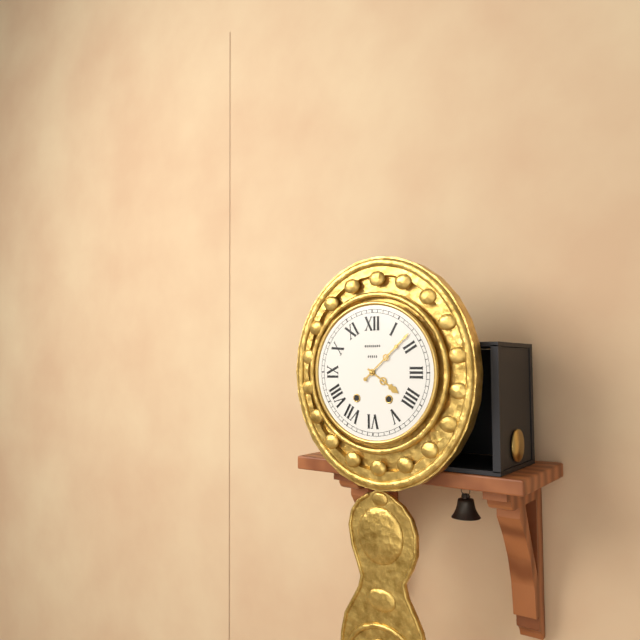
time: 4:08
